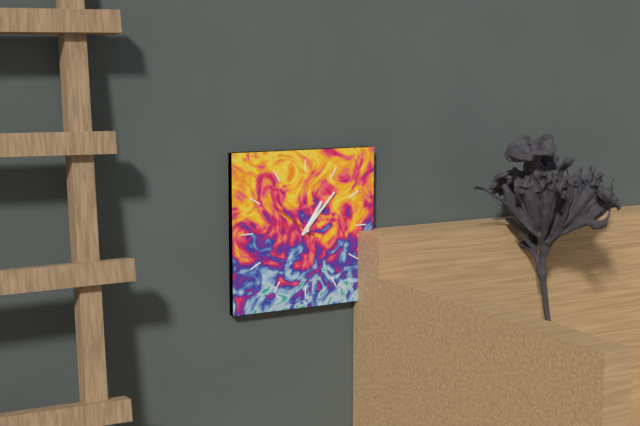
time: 1:07
